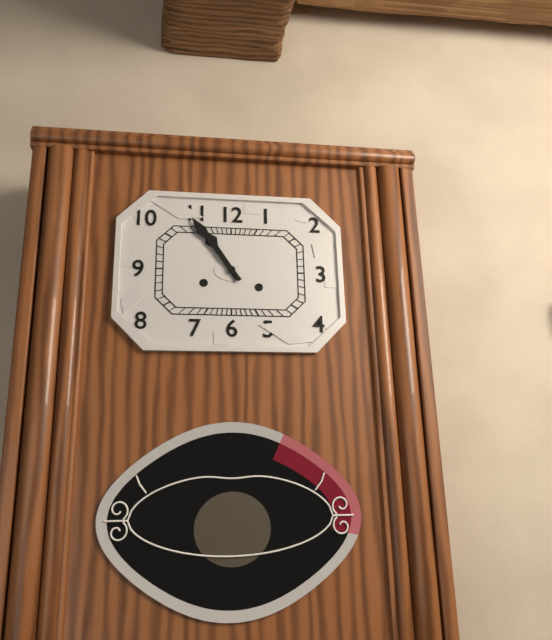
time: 10:54
